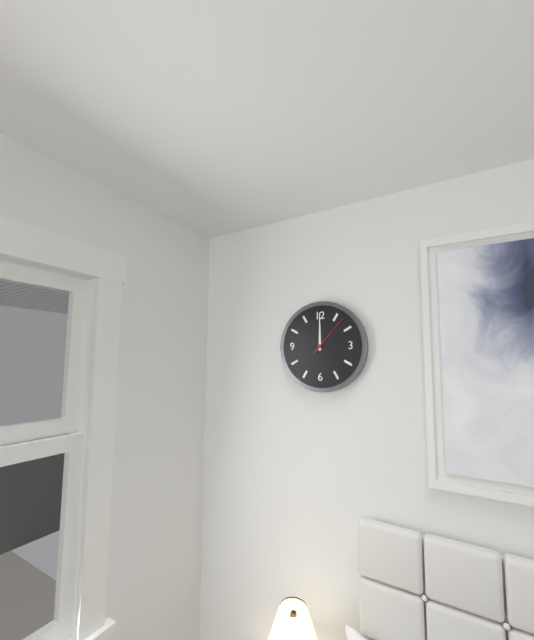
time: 12:00
